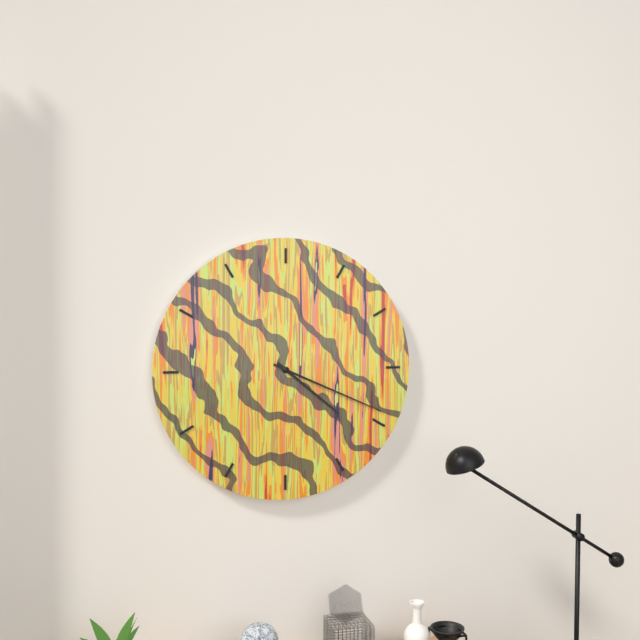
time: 4:19
